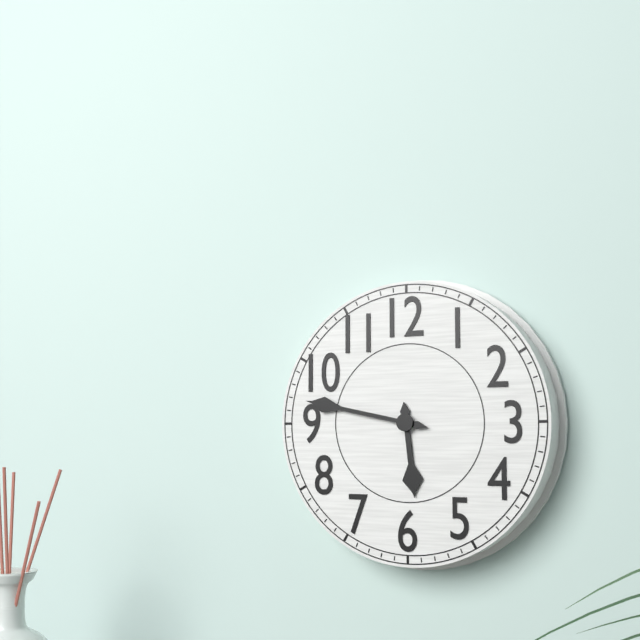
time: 5:47
